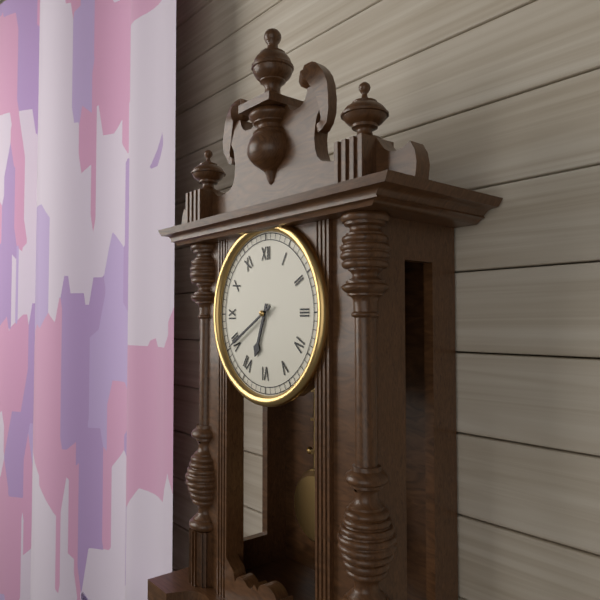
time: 6:40
